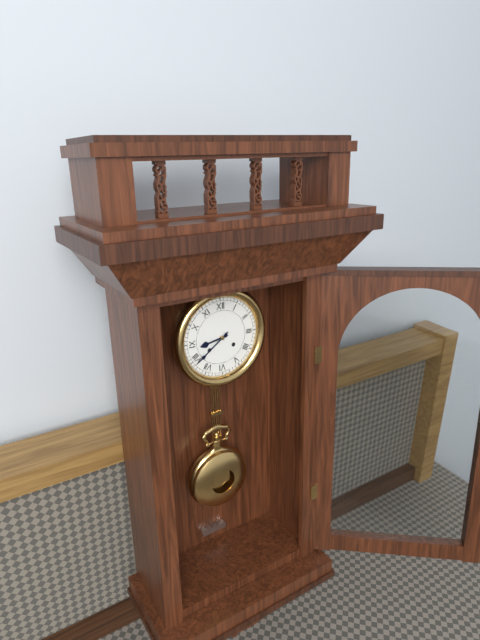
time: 8:39
